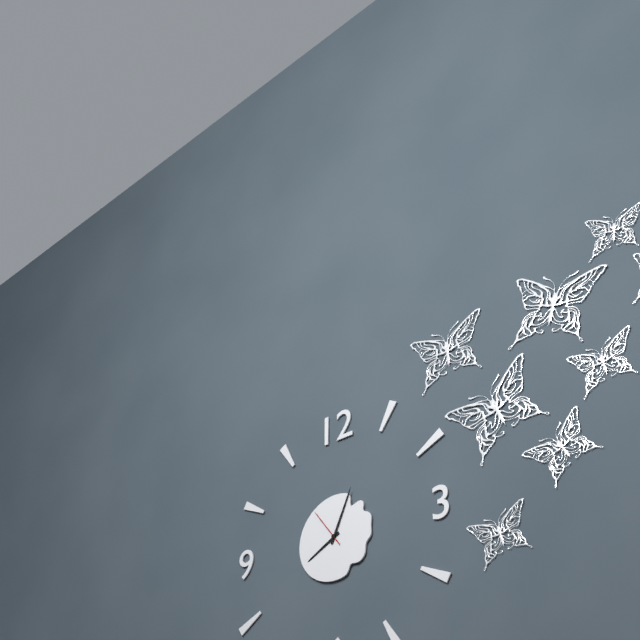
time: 8:04
